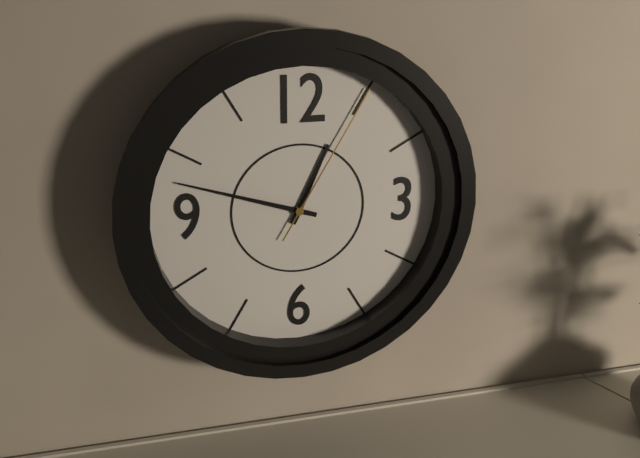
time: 12:48:05
